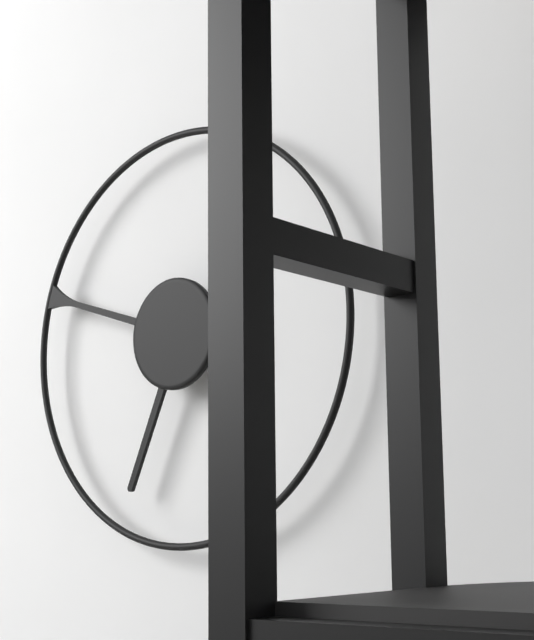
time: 6:48
